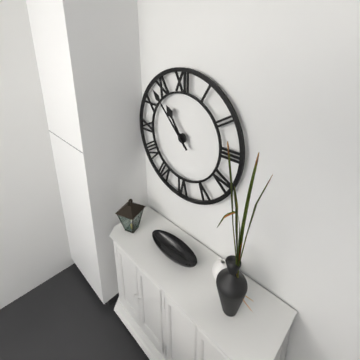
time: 10:53
